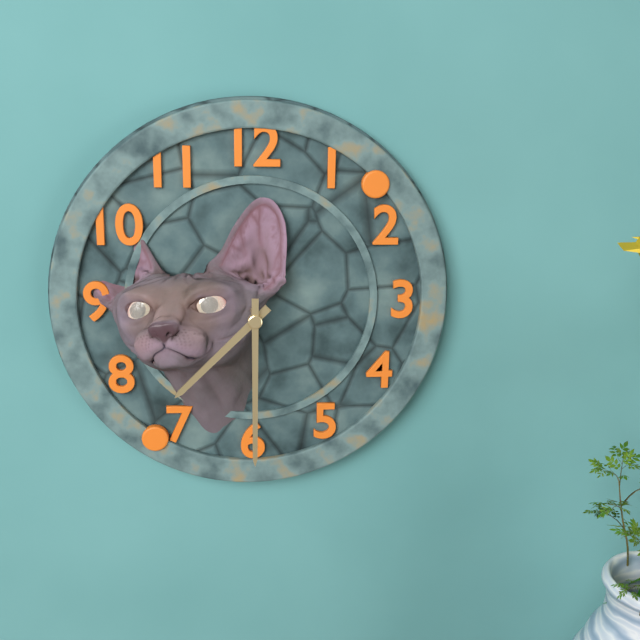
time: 7:30
